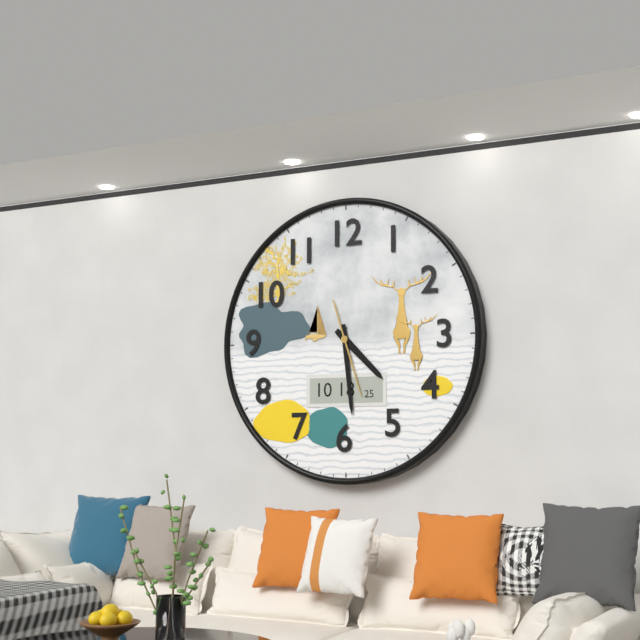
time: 4:29:27
